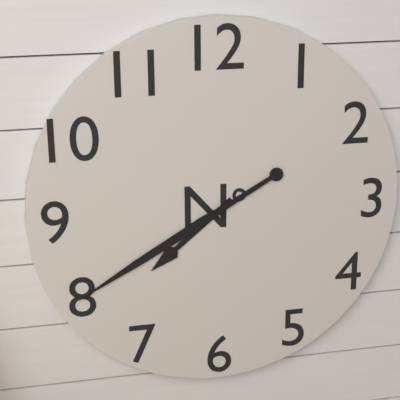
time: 7:40
